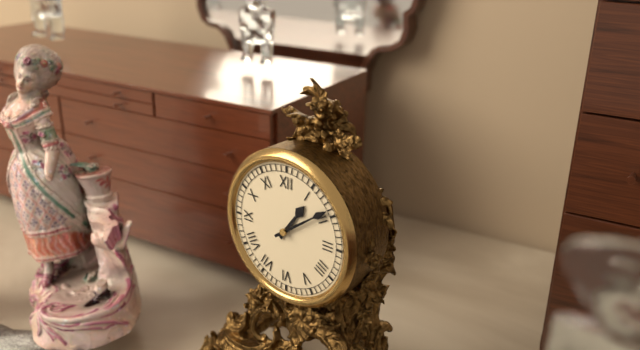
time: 1:09
